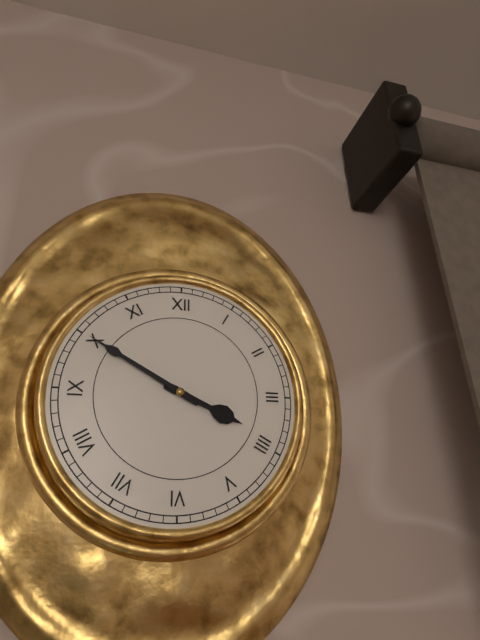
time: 3:50
